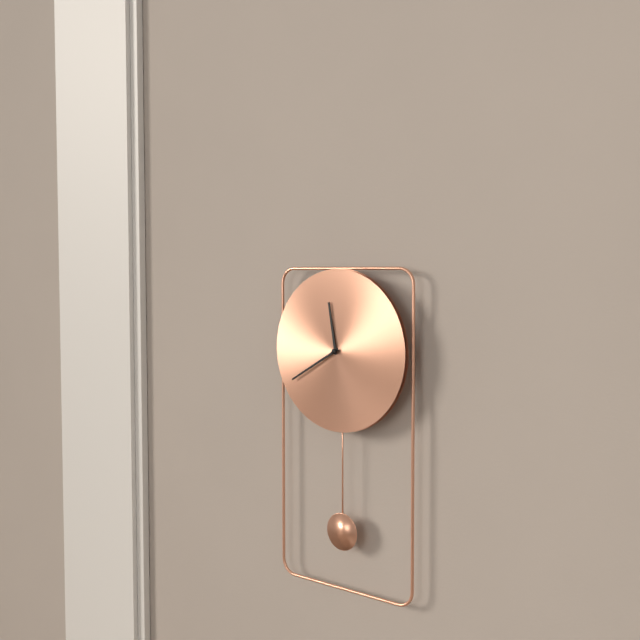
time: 11:40
